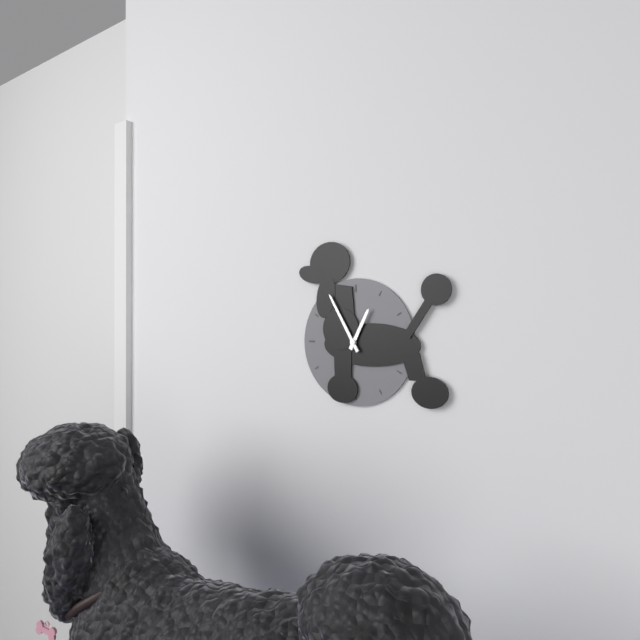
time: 12:55
